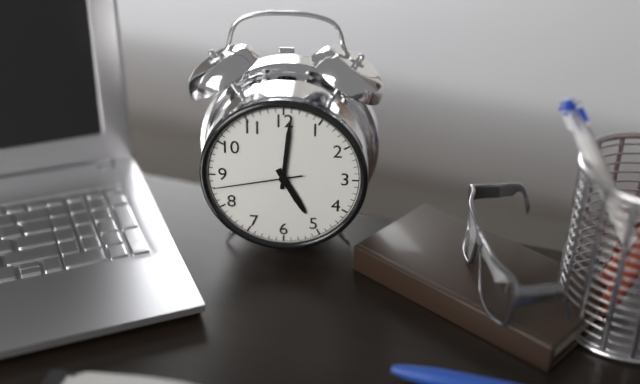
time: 5:01:43
